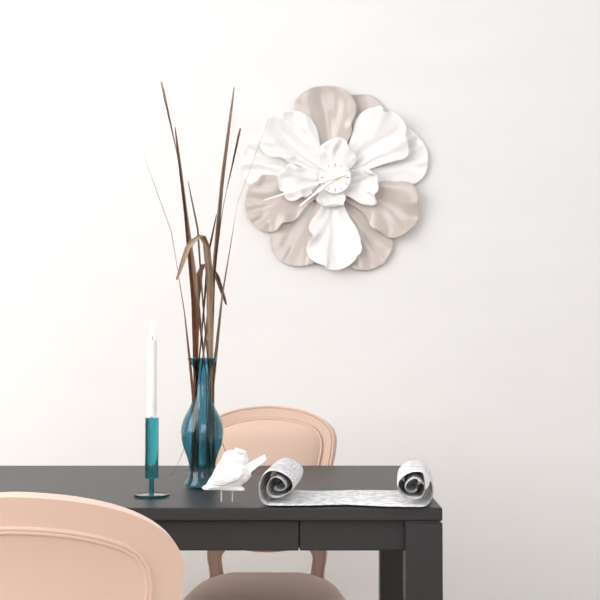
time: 7:42
